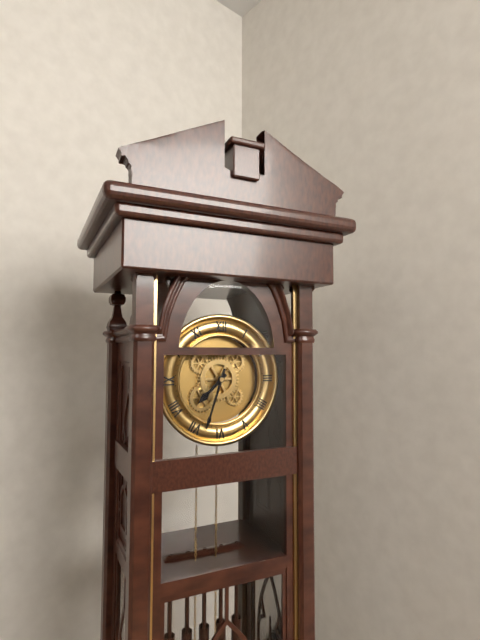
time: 7:33
